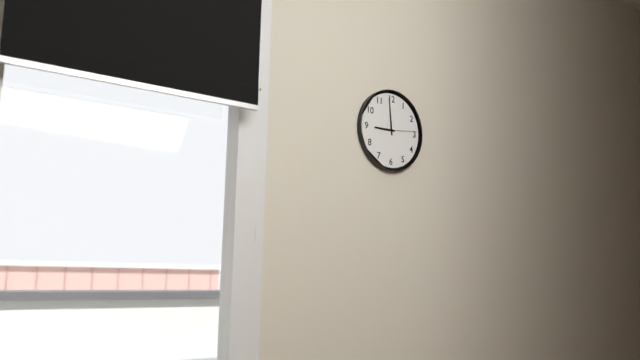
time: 8:59
